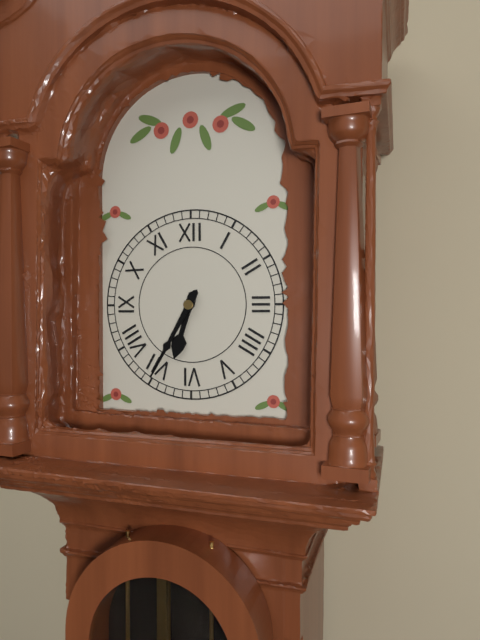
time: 6:35
